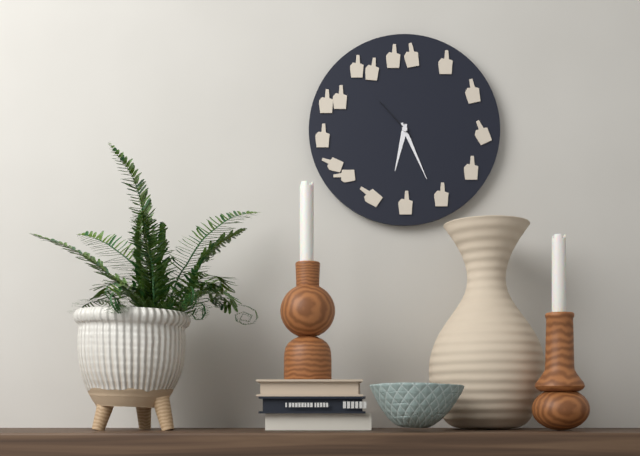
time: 6:26
